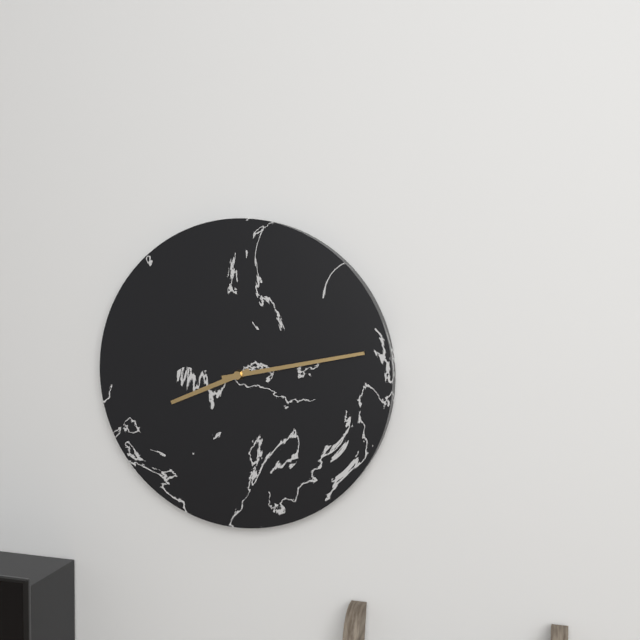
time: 8:13
